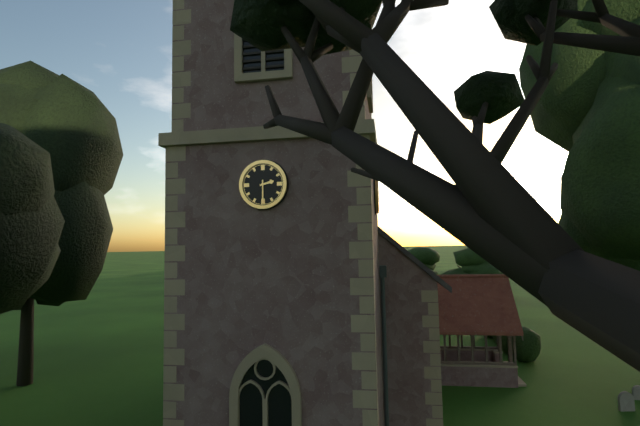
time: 2:30
